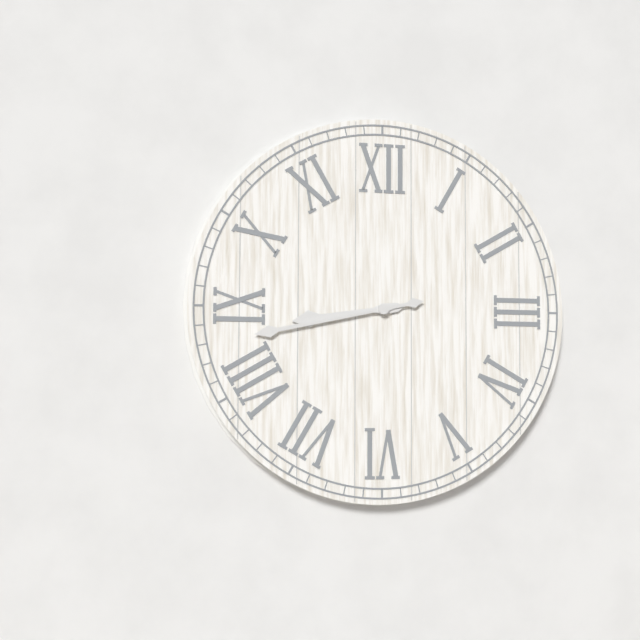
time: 8:43
